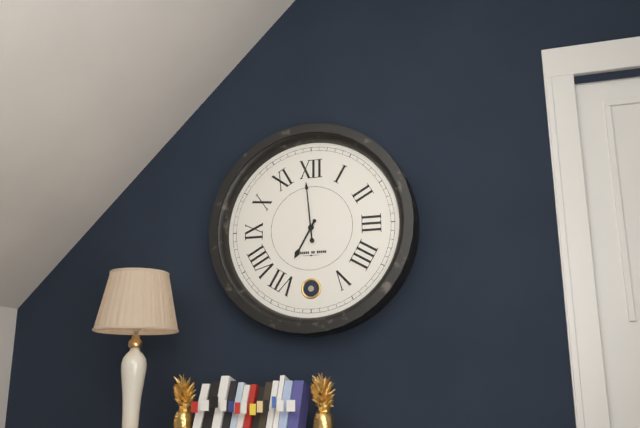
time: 6:59
